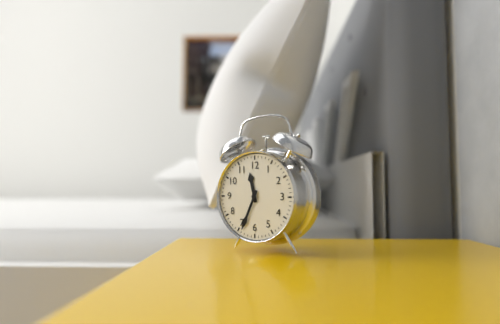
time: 11:34
